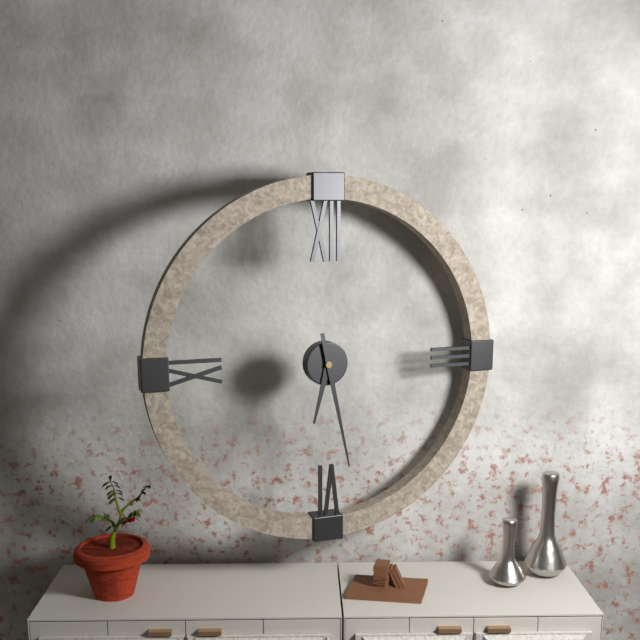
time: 6:28
